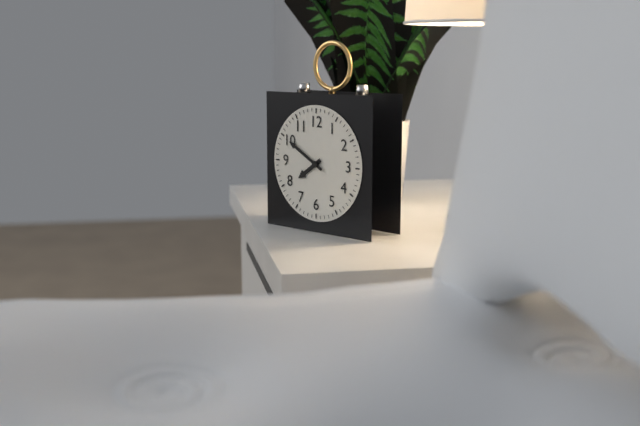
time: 7:50
